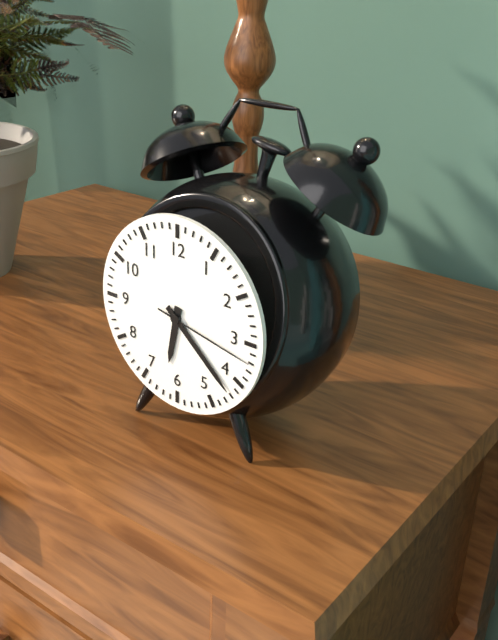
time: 6:22:17
